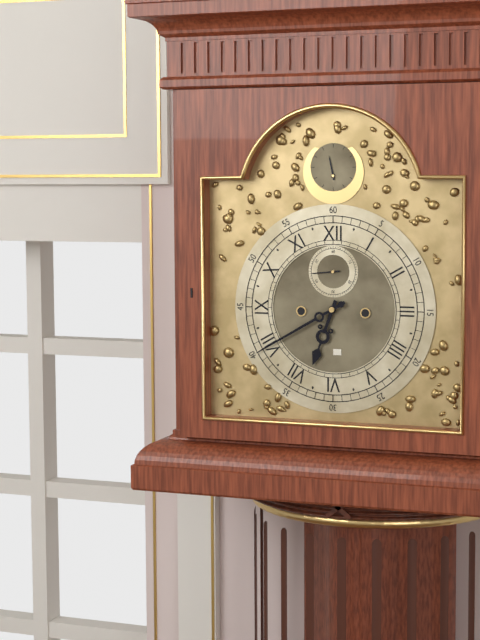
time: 6:40
